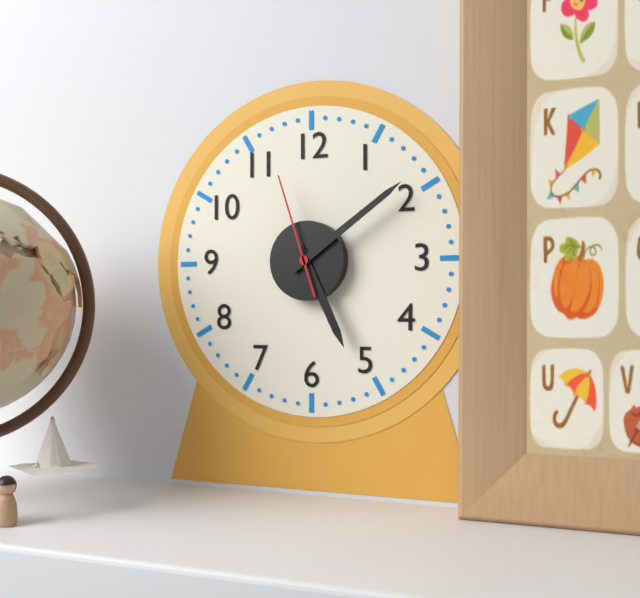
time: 5:09:57
